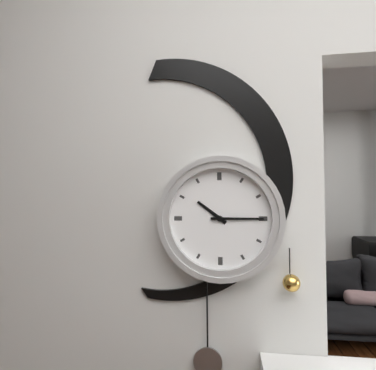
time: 10:15
